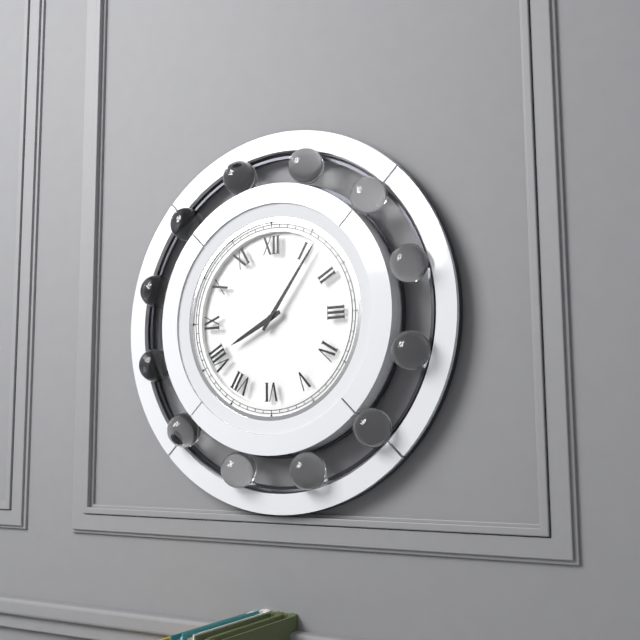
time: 8:06
